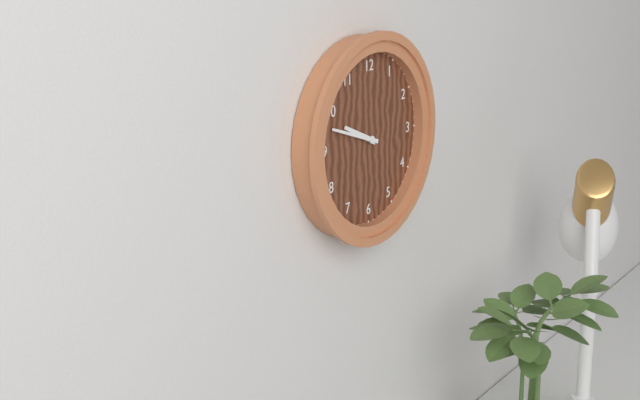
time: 9:48
